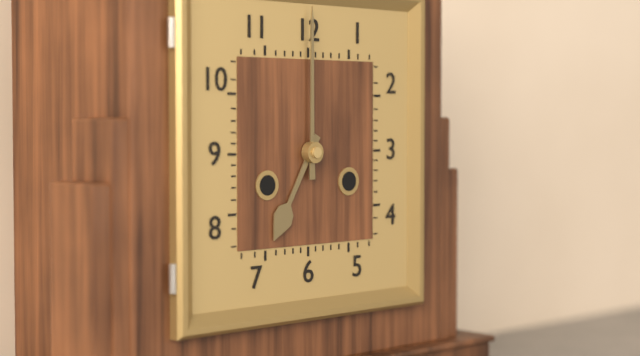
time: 7:00
